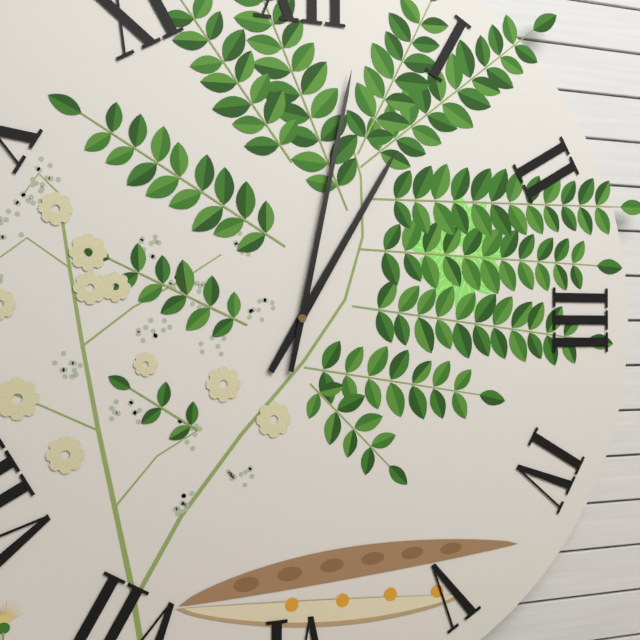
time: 1:02
